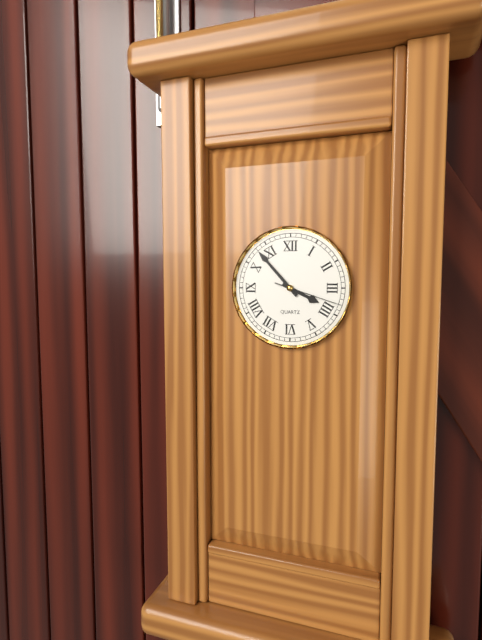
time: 3:53:18
